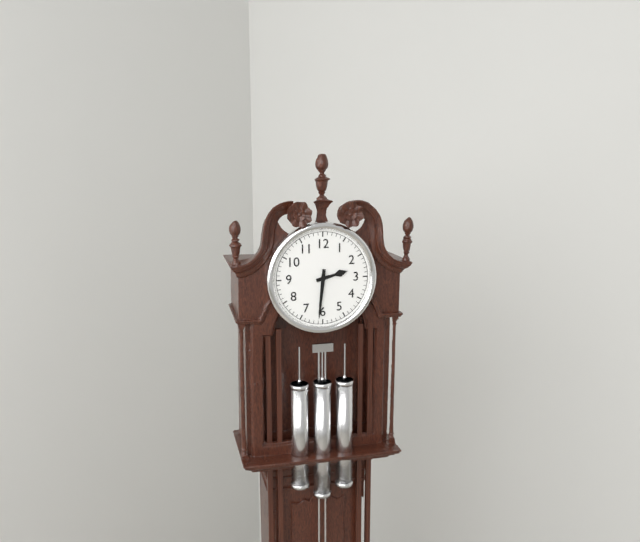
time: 2:31
